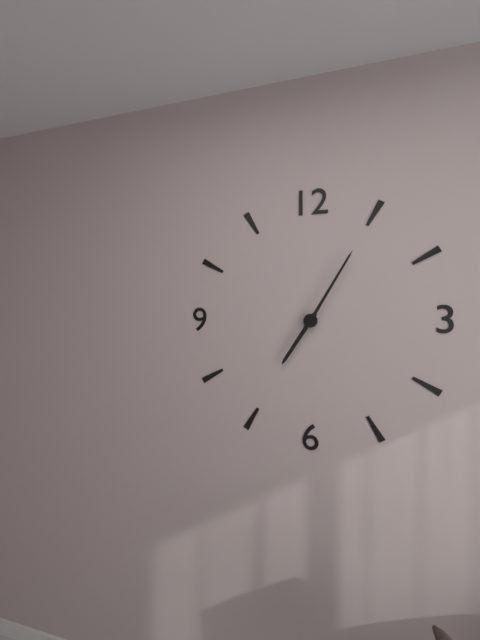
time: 7:05
